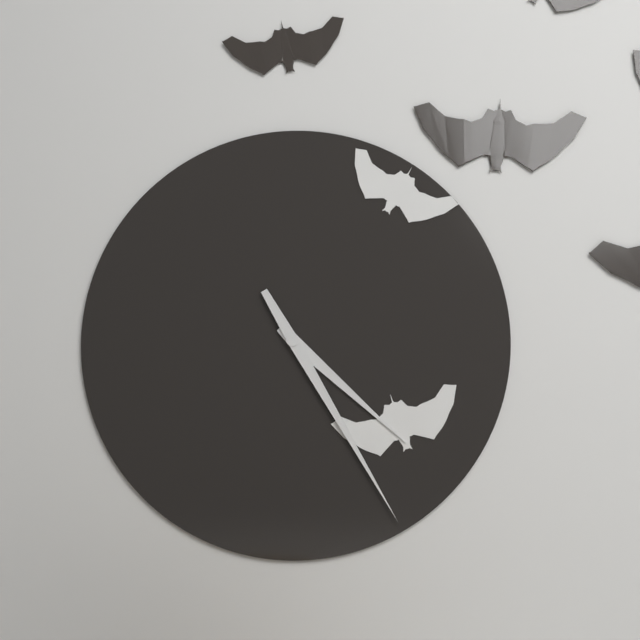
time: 4:25
